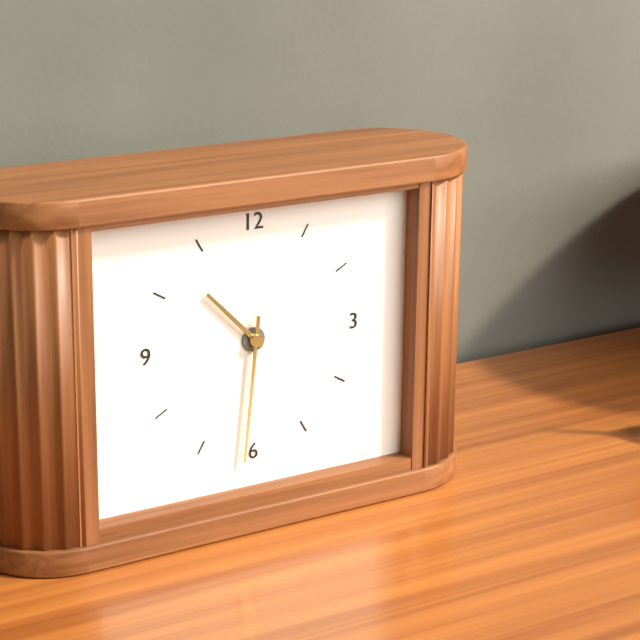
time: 10:31
